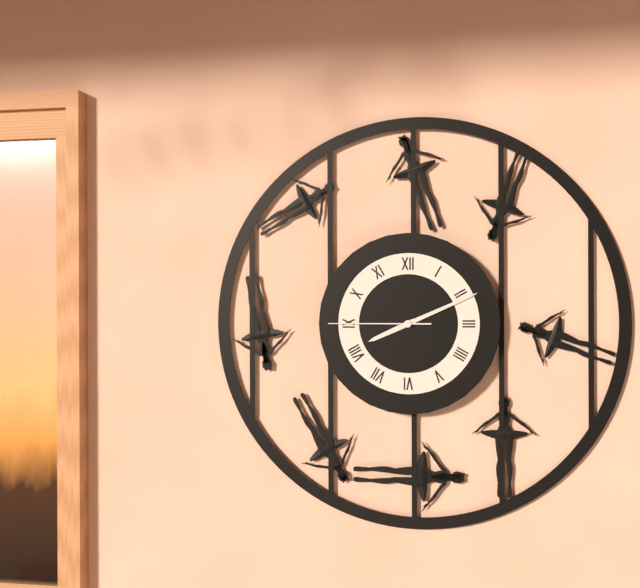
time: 8:11:45
